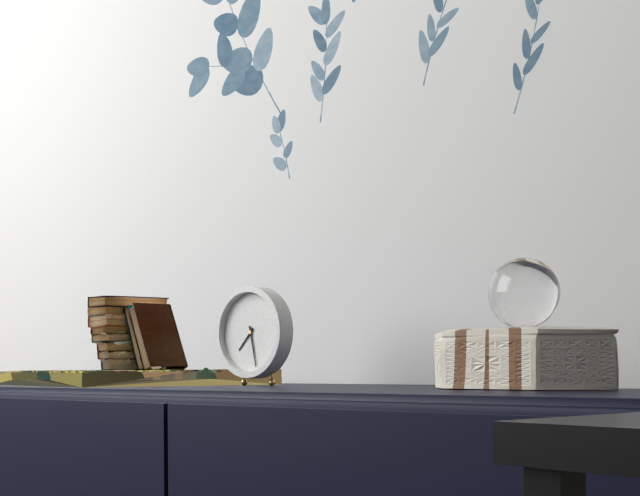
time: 7:28
